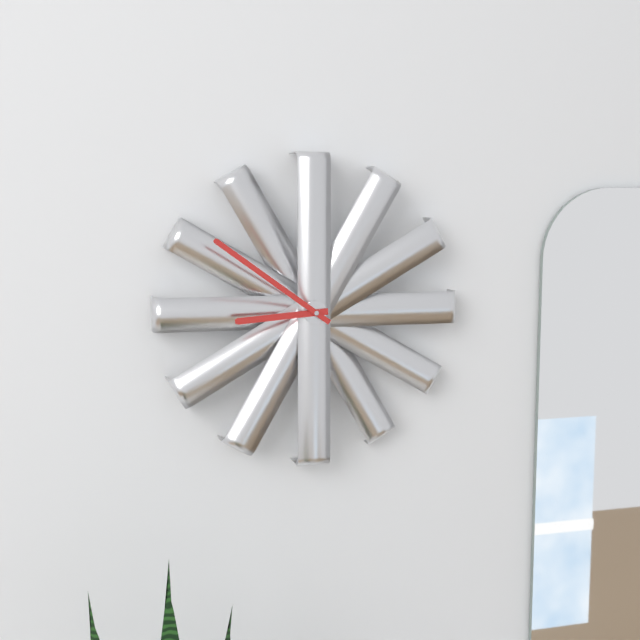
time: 8:51
